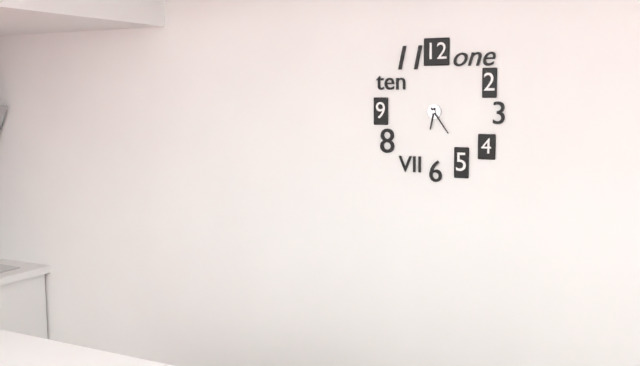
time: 6:24
